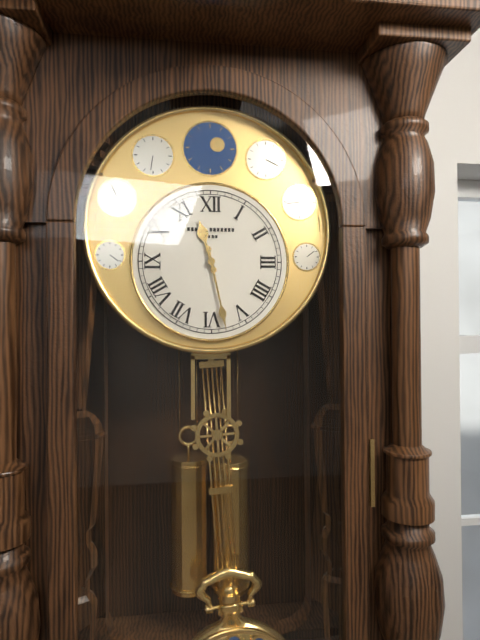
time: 11:28
